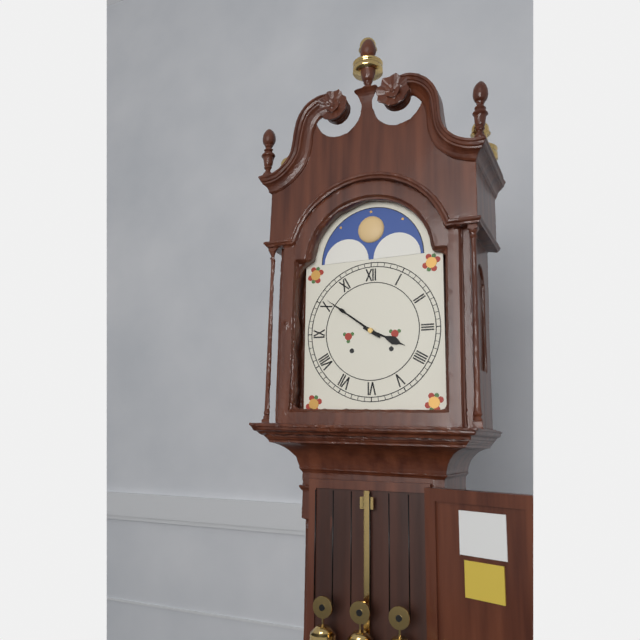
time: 3:51
